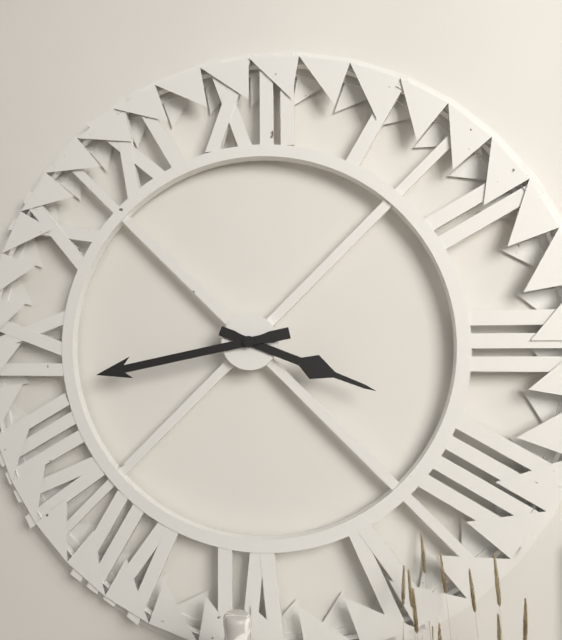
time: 3:43
